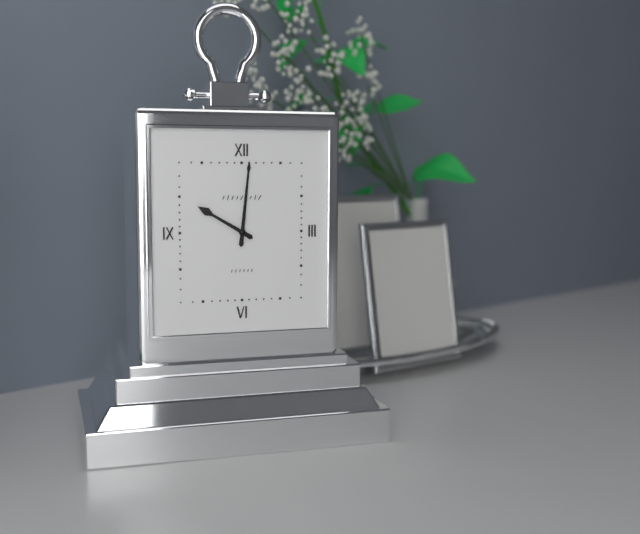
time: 10:01
